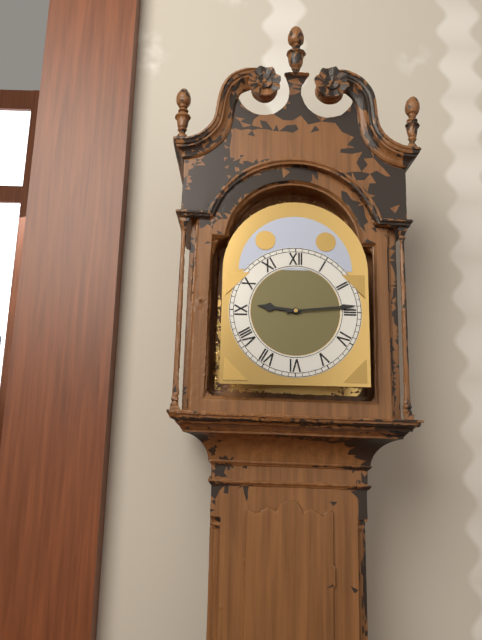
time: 9:14
